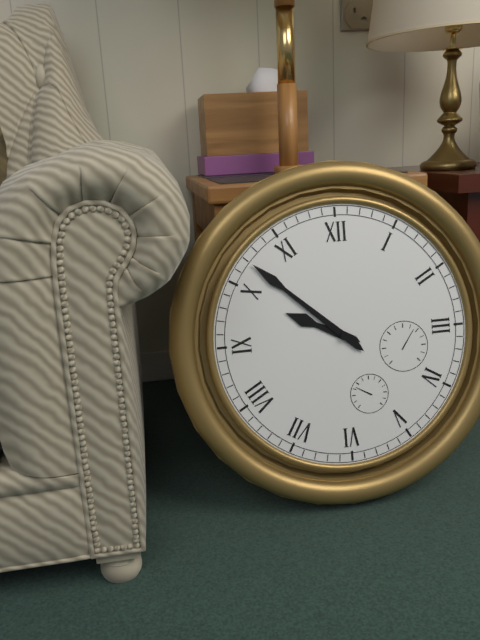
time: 9:52
